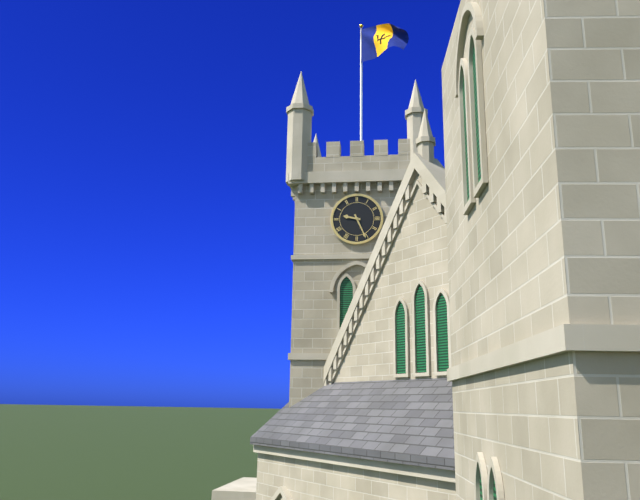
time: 9:26
